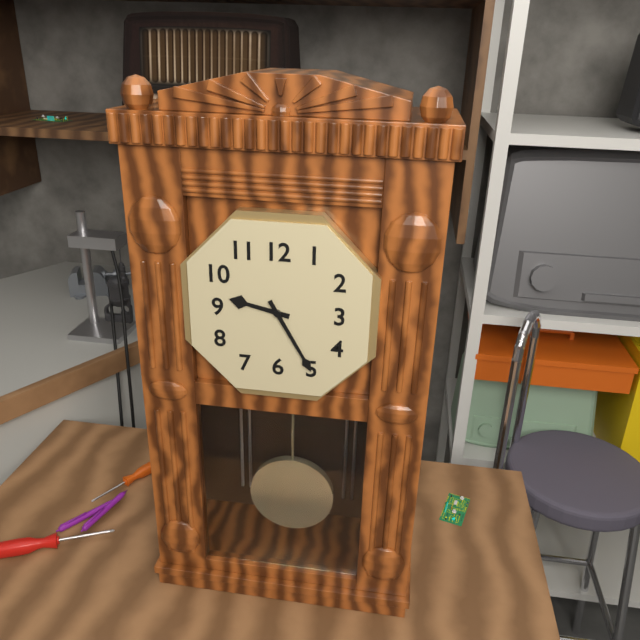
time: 9:25
